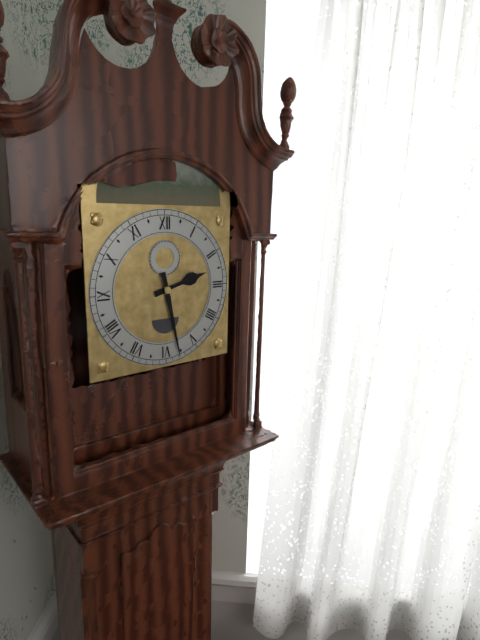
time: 2:28
